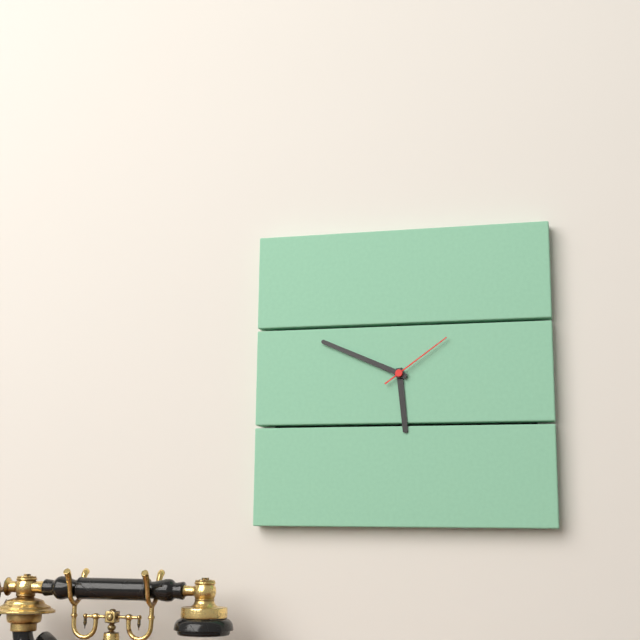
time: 5:49:09
